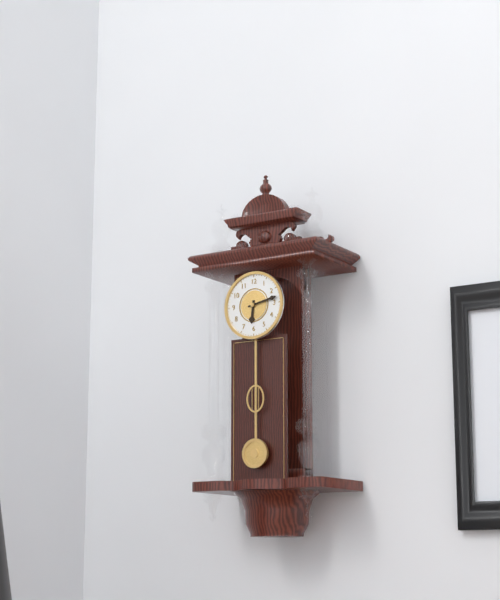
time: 6:13
